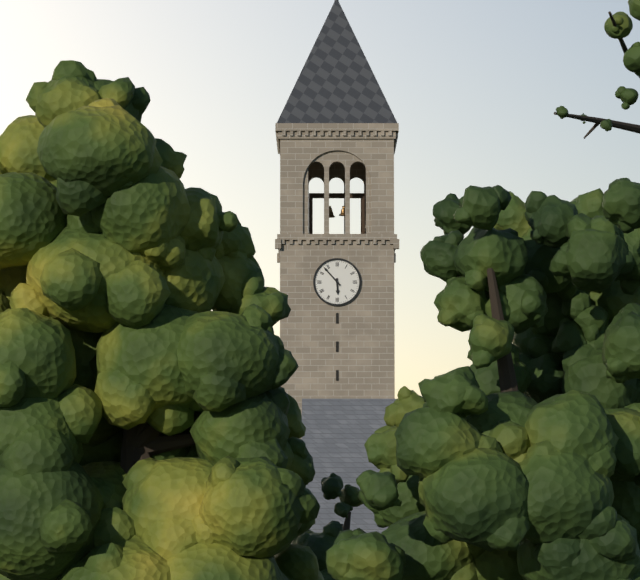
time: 5:53
